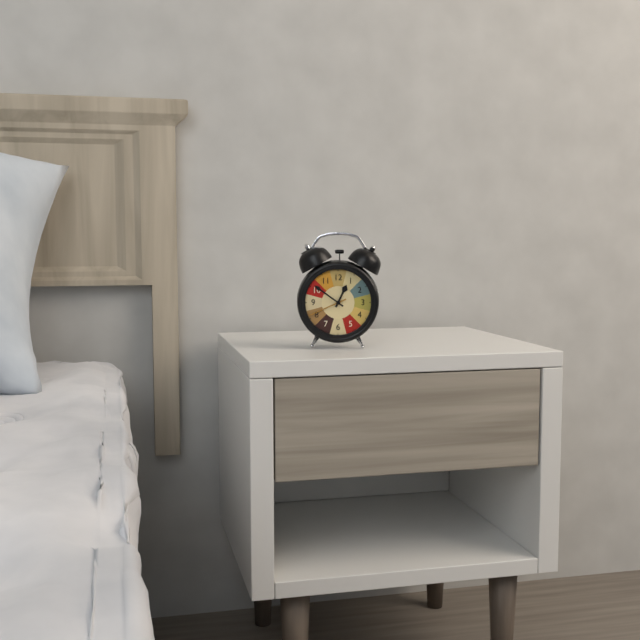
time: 12:51
